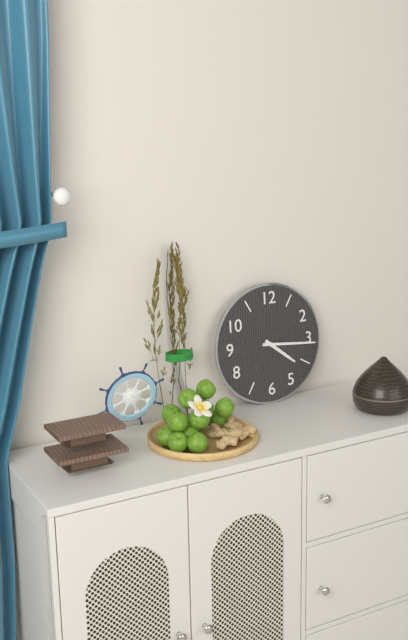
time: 4:16
